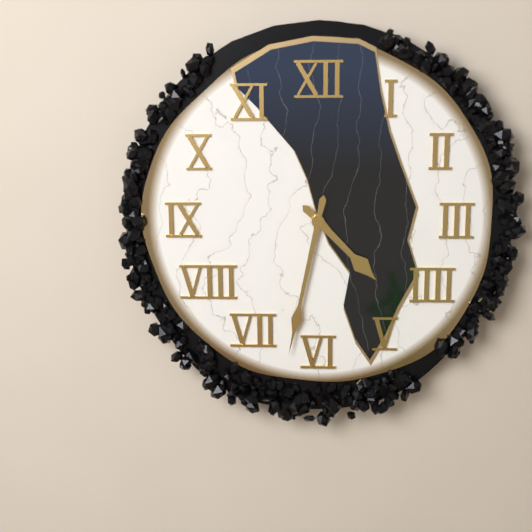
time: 4:32
